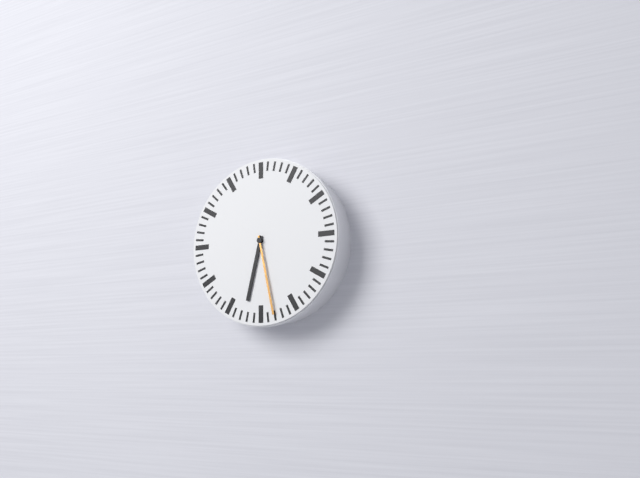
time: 6:28
